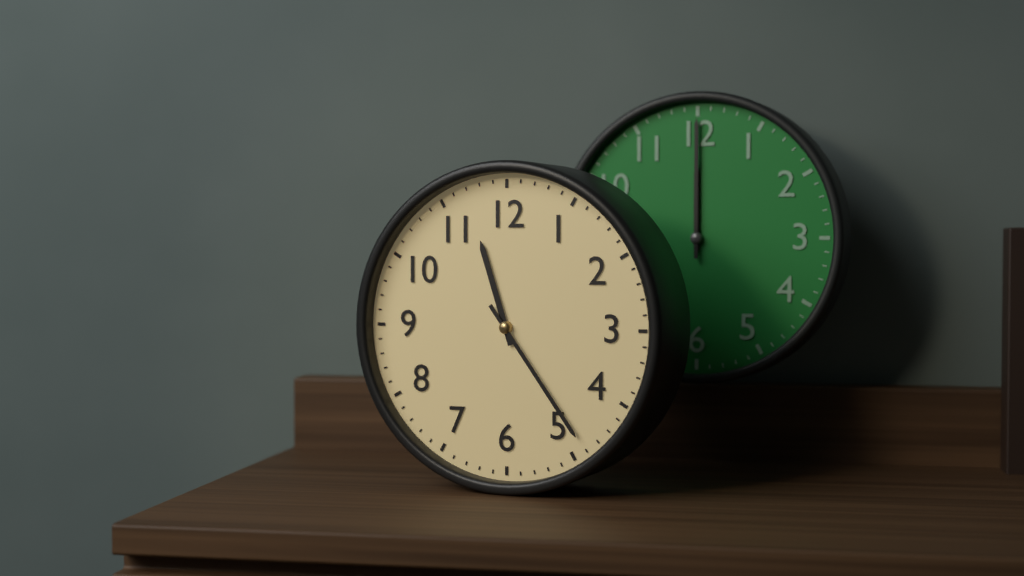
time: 11:24
